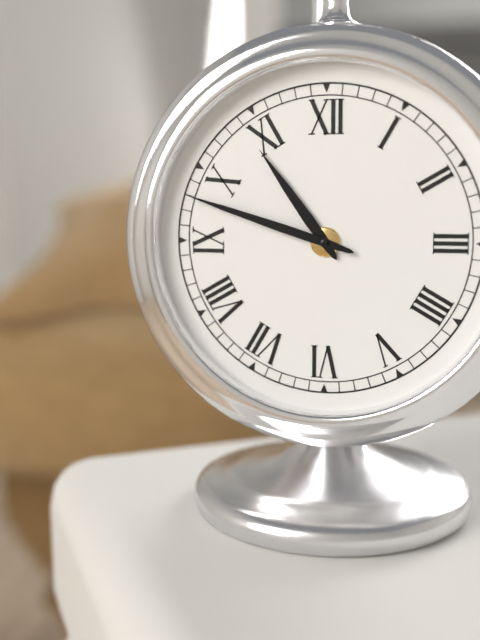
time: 10:48
